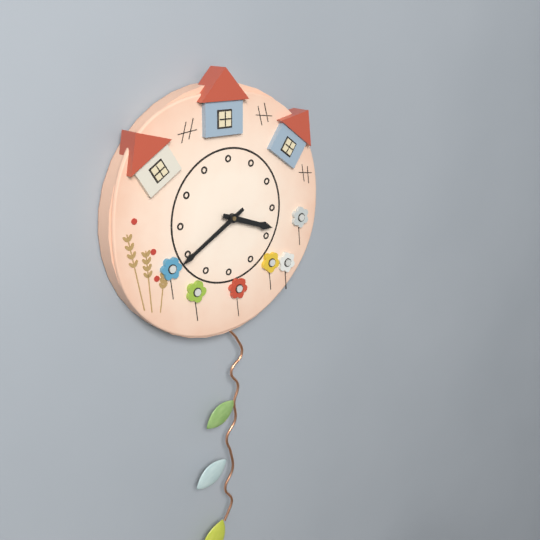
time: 3:40
